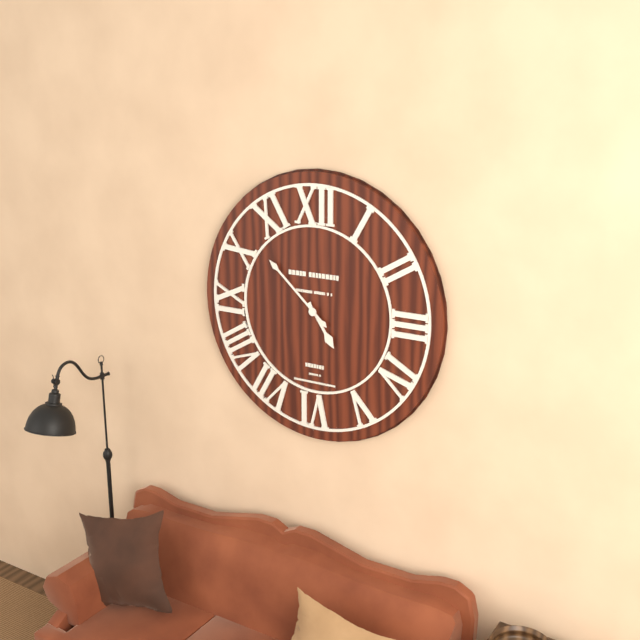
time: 4:52
